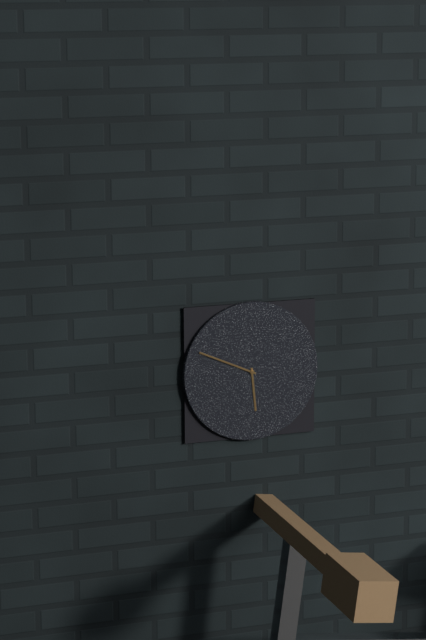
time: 5:49
